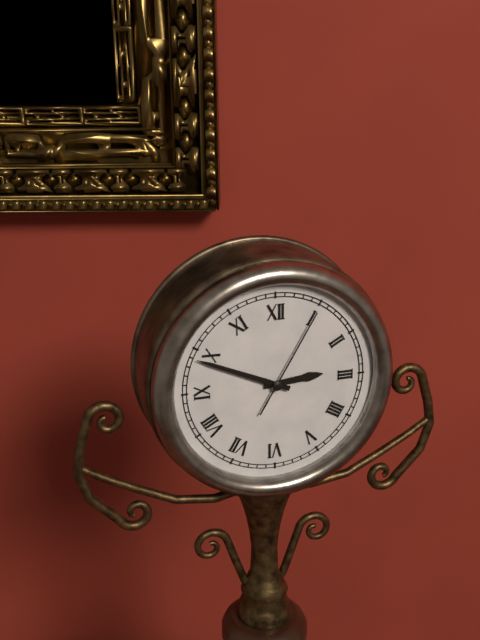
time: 2:49:05
